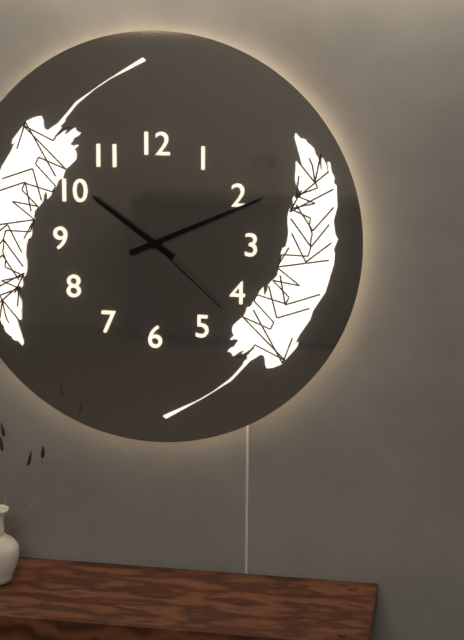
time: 10:11:22
